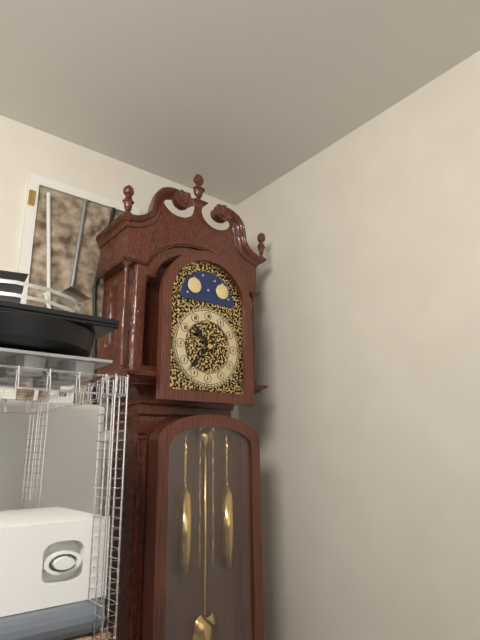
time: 10:37
